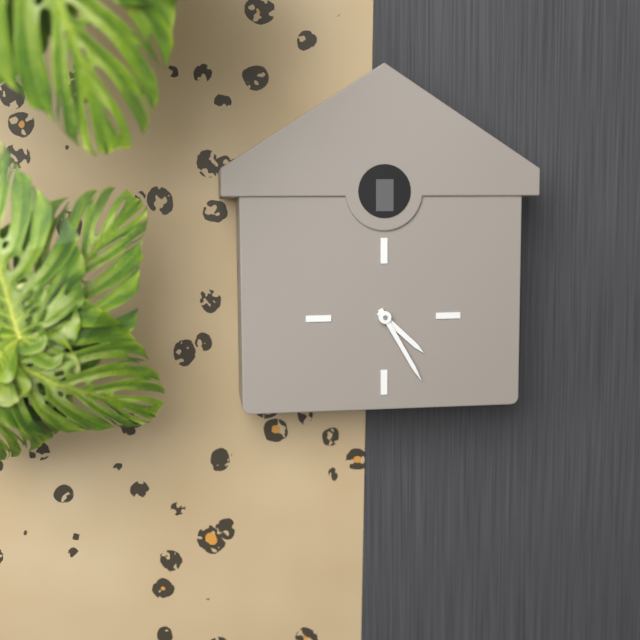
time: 4:25
